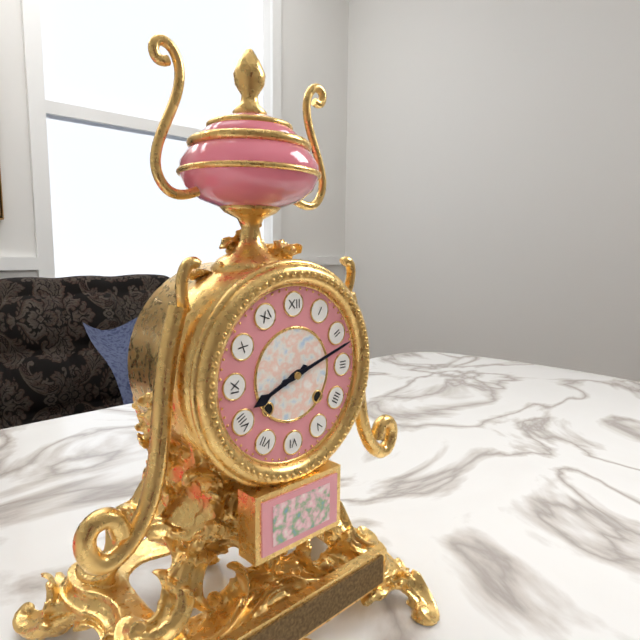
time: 8:12
